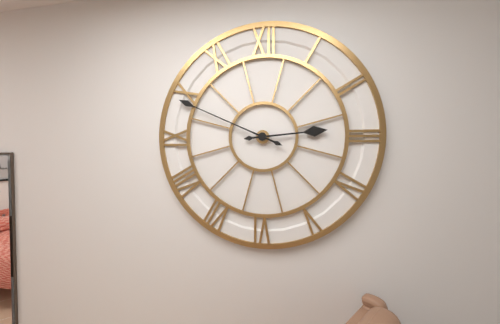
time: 2:49
